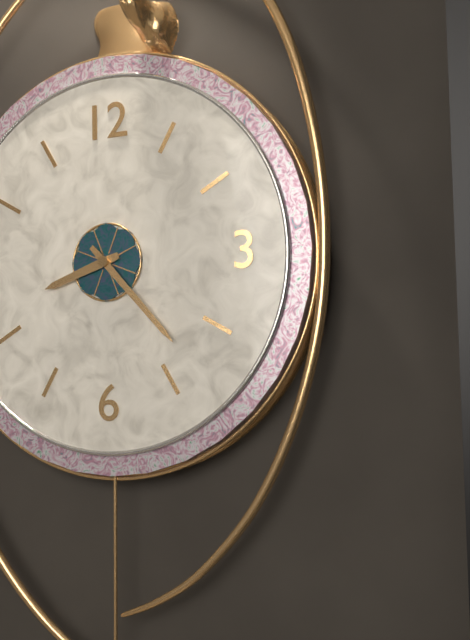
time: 8:23
